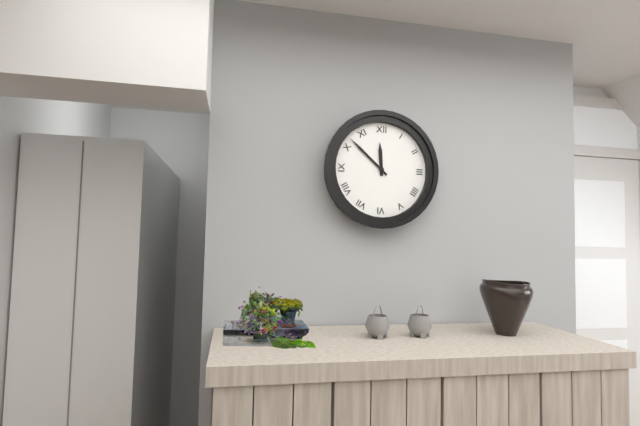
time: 11:52
